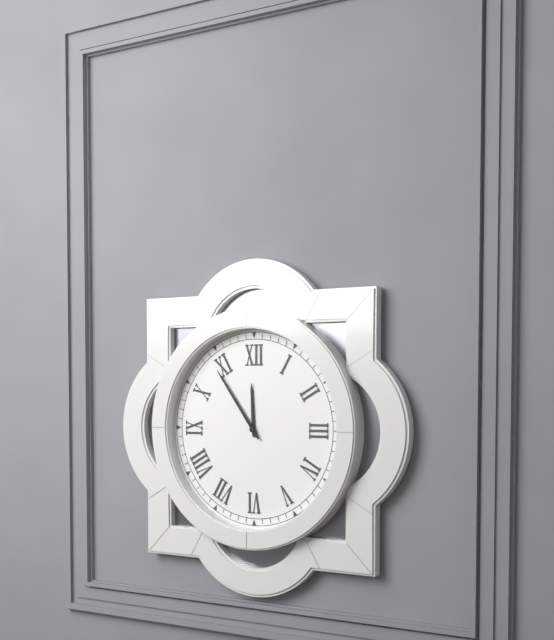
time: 11:54
